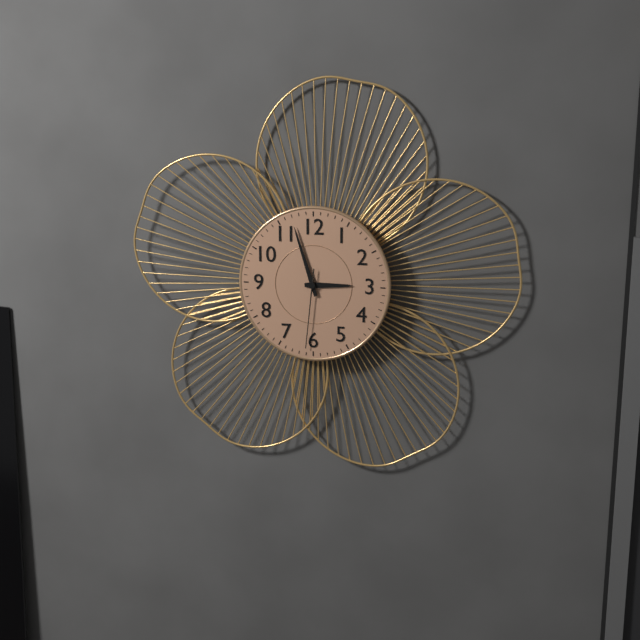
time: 2:57:31
